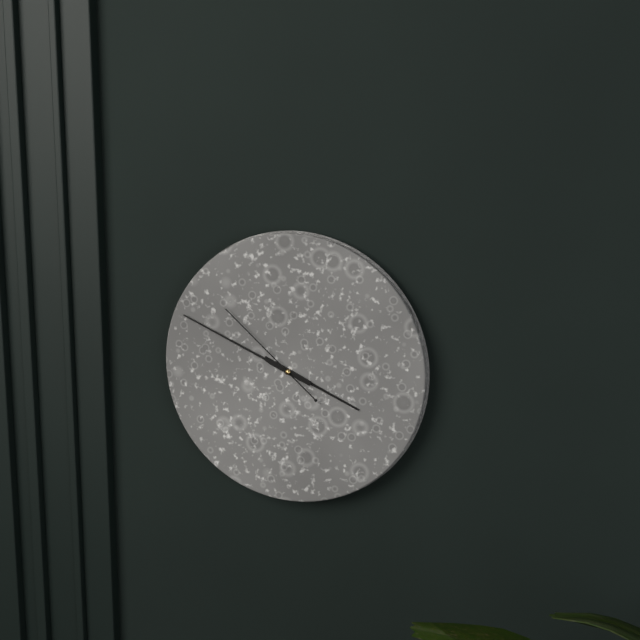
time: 3:49:52
